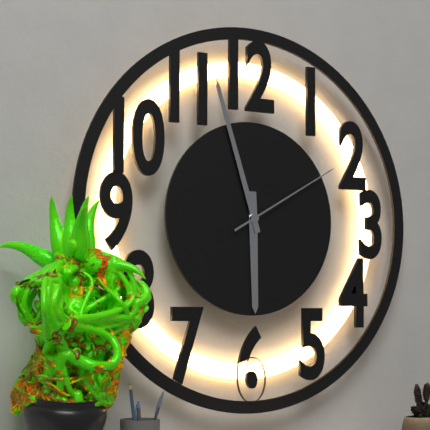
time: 5:57:10
